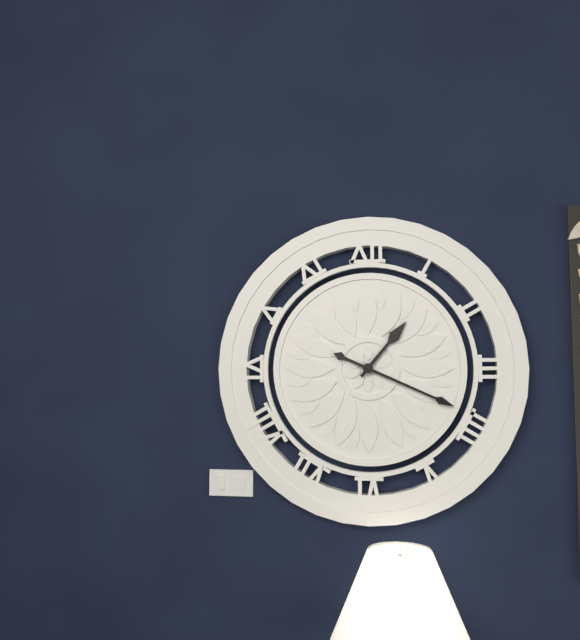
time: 1:19
